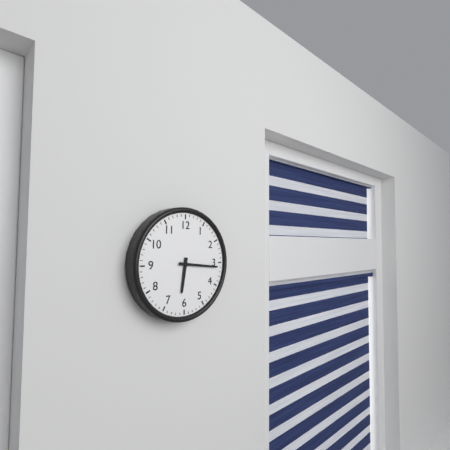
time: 6:16
